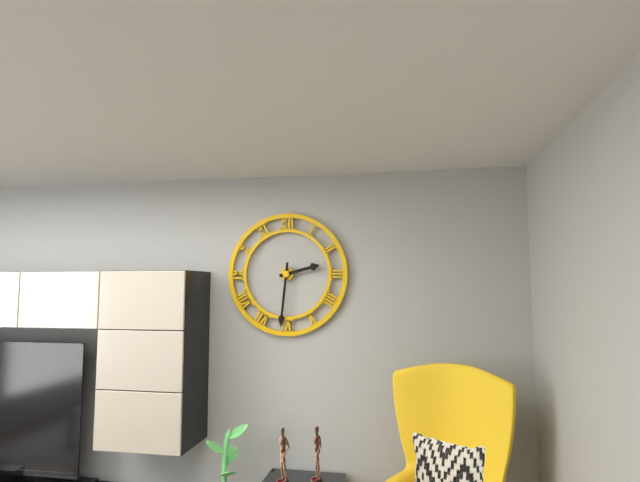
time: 2:31
